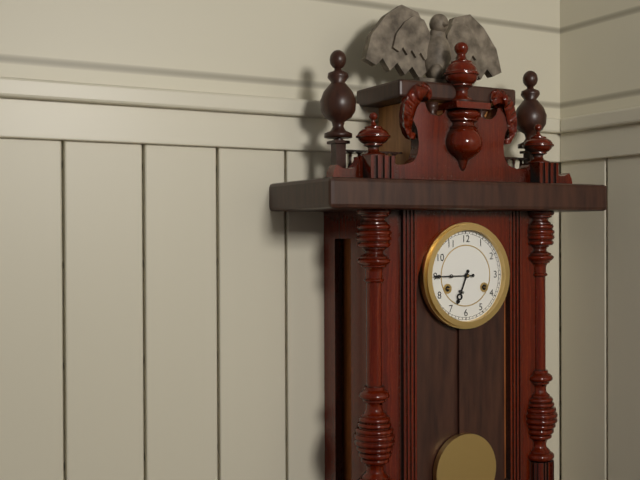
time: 6:45
